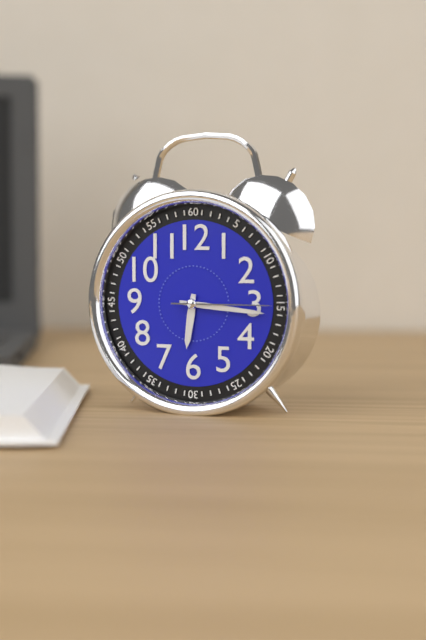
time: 6:16:15
